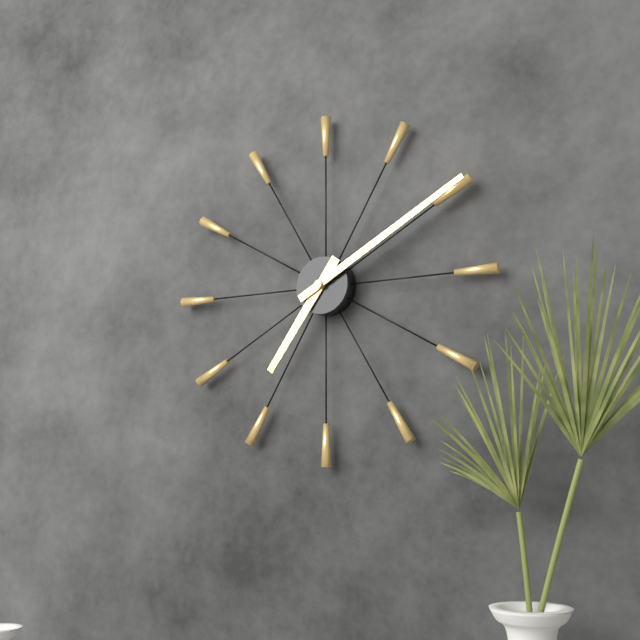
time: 7:10
